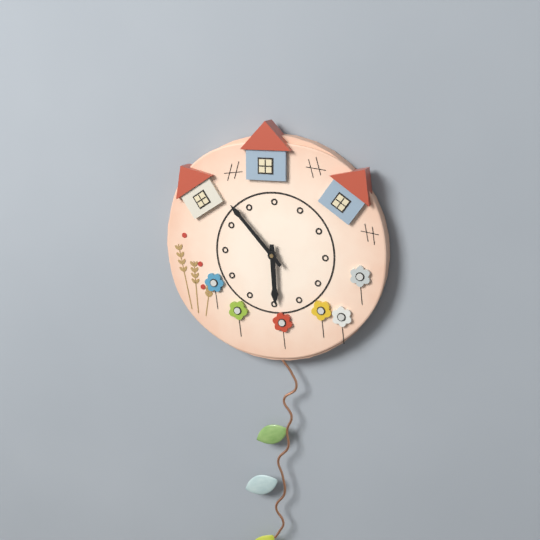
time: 5:53
